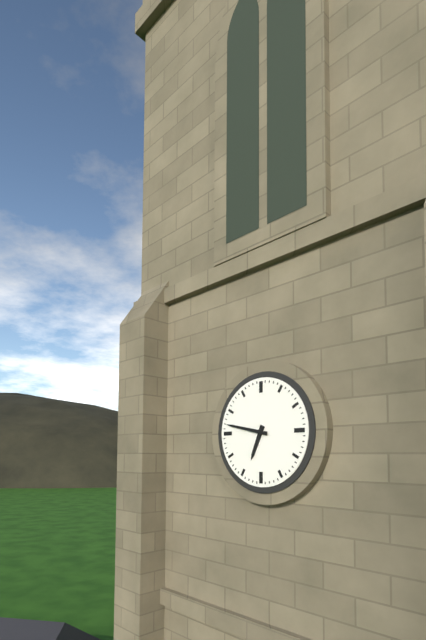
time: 6:47
